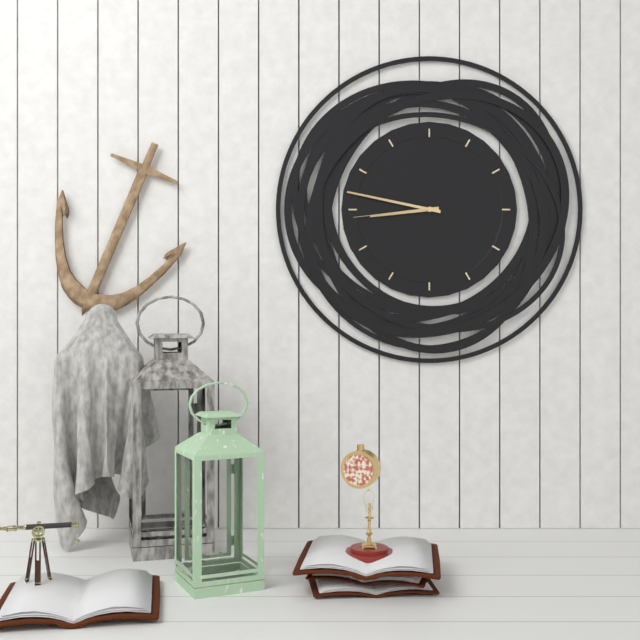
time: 8:47:44
